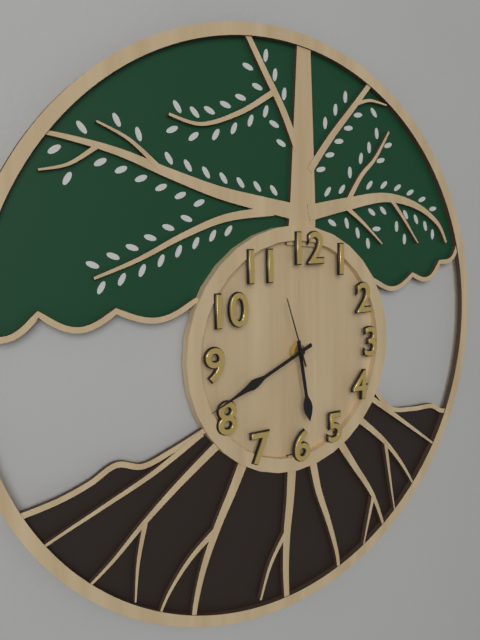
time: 5:41:57
